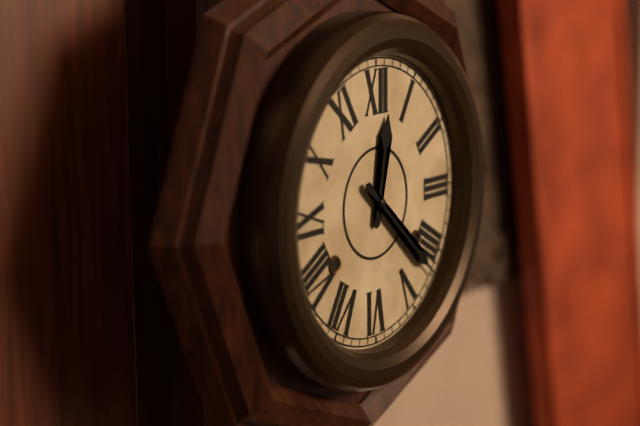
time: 12:22
